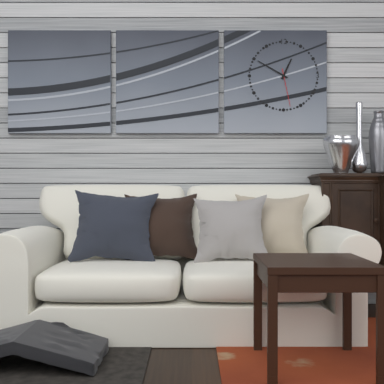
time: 12:50
